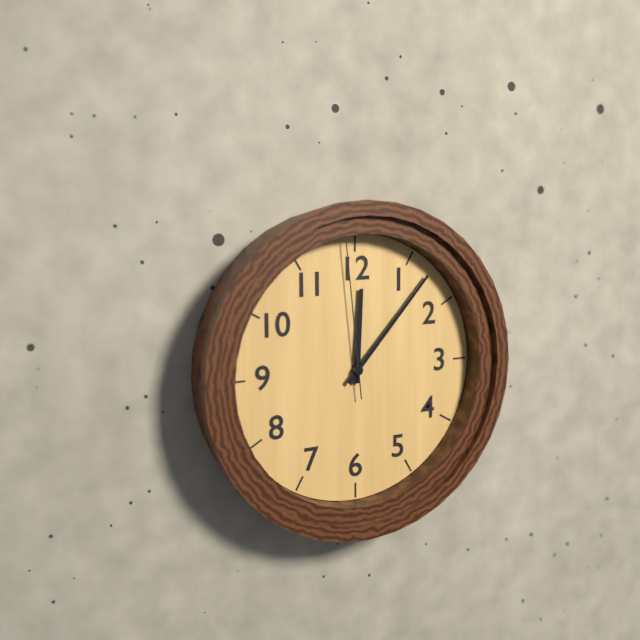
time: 12:07:59
